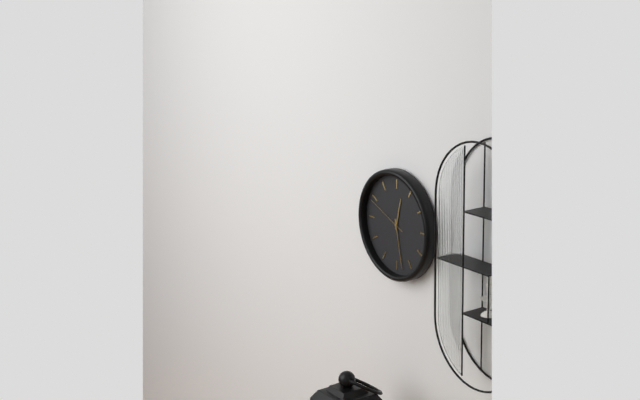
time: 12:28:49
